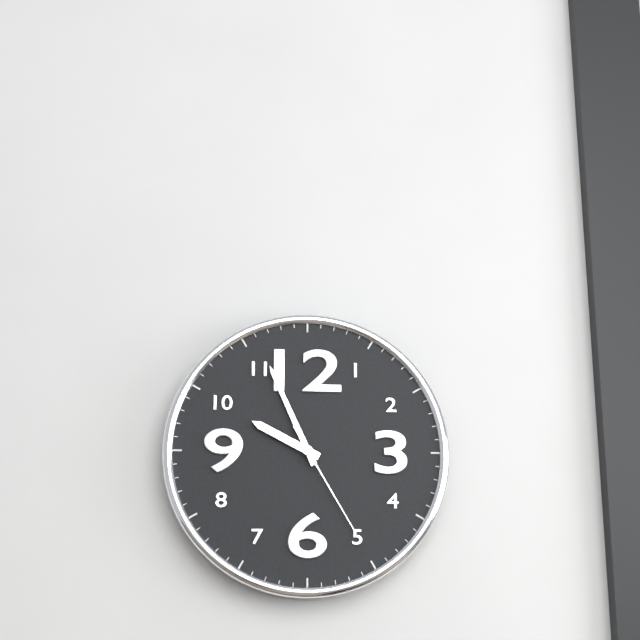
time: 9:56:25
